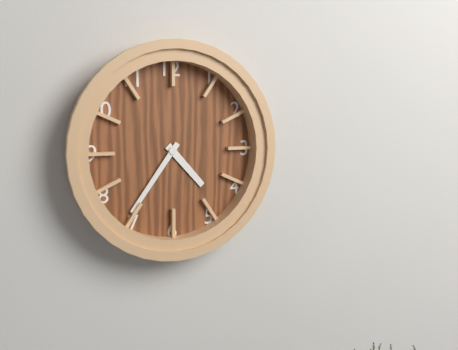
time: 4:36
